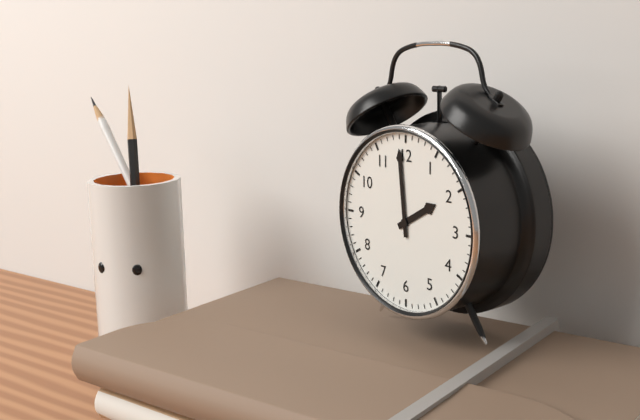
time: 1:59
